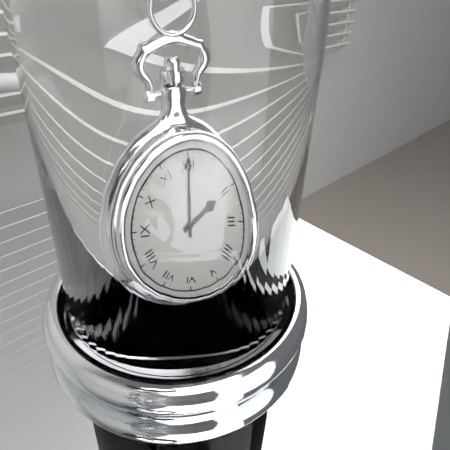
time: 2:00
